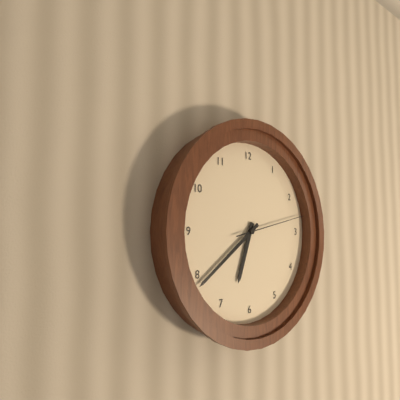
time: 6:39:13
